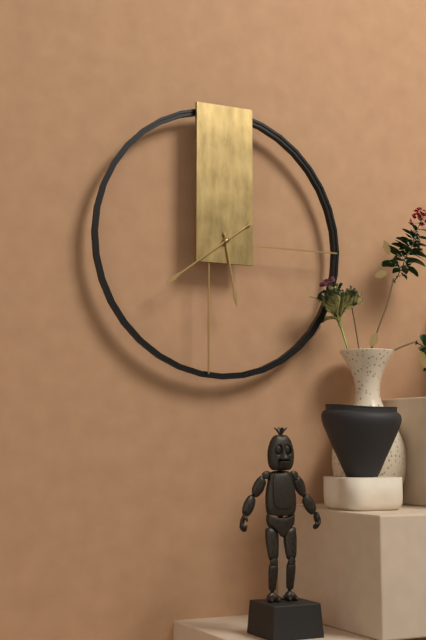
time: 5:39
